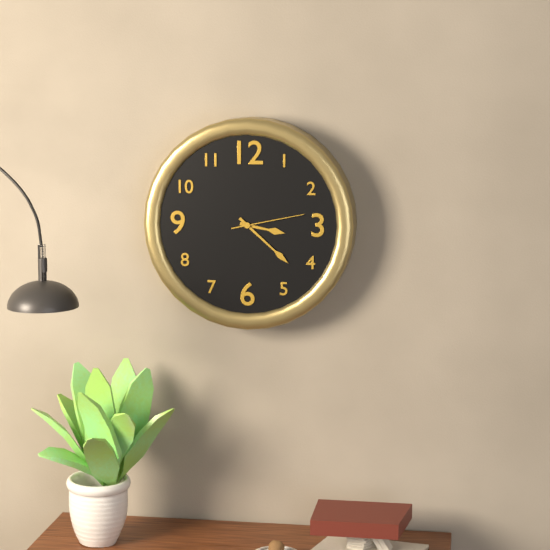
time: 3:22:13
